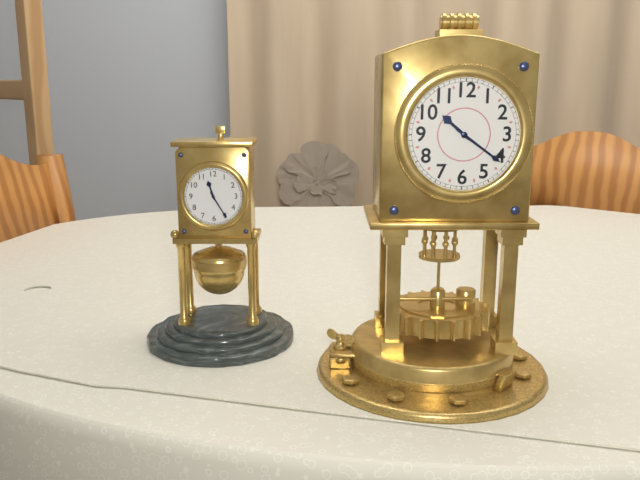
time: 10:21
